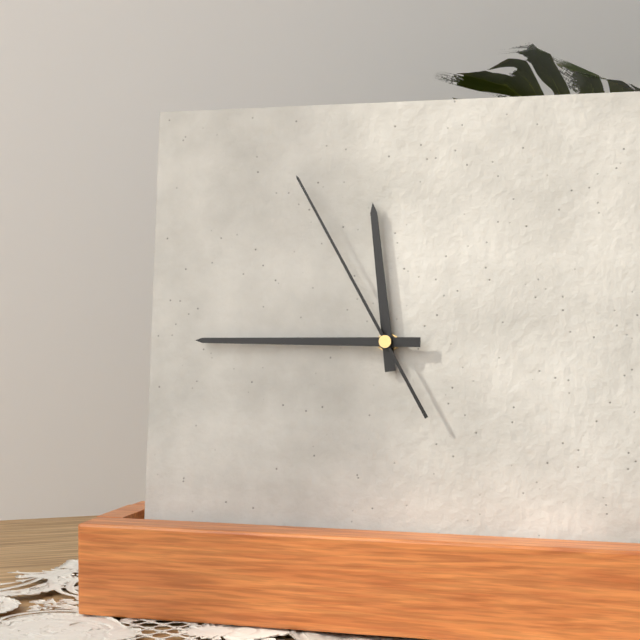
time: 11:45:55
